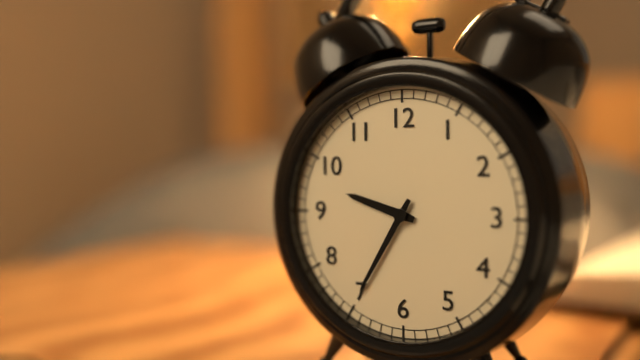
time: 9:35
